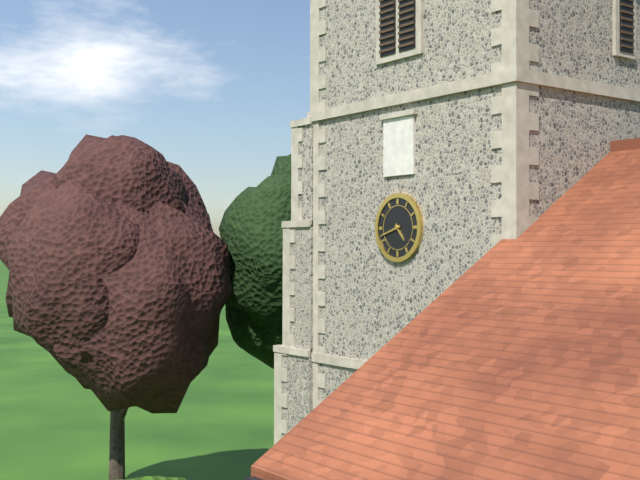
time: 4:42
